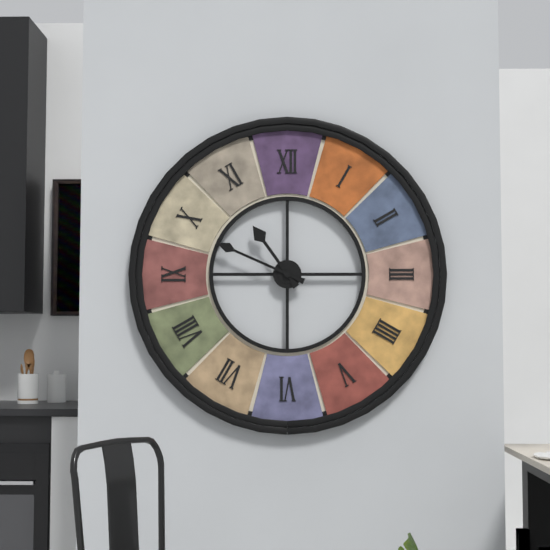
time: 10:49
